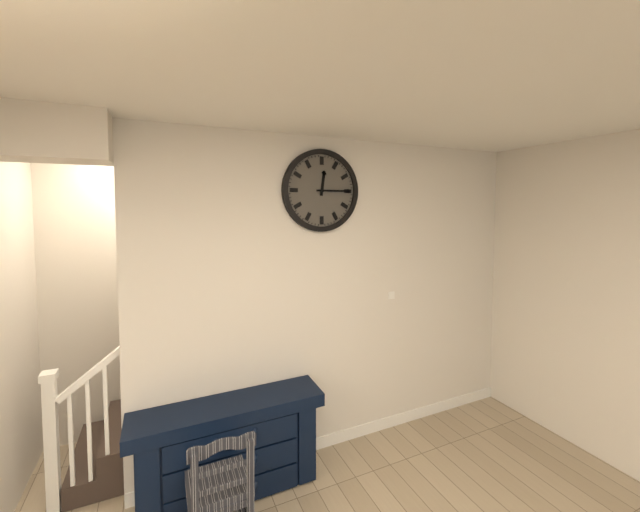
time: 12:15
